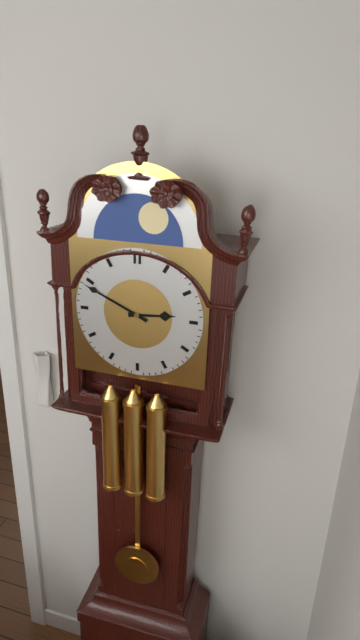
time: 2:49
